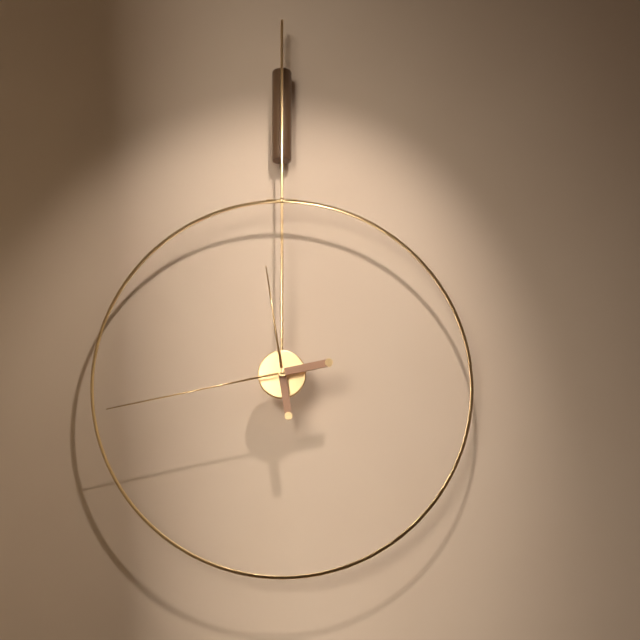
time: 11:43
